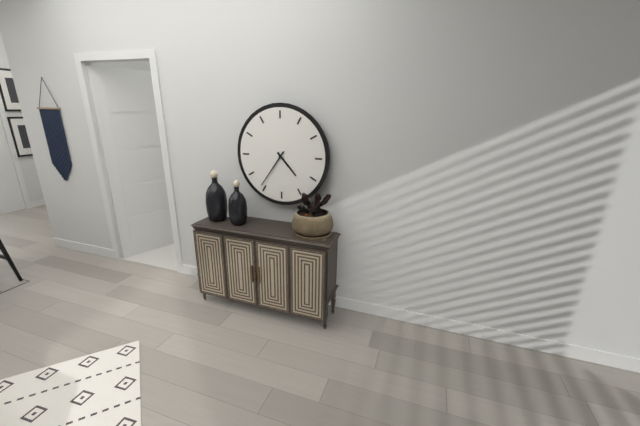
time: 4:36
